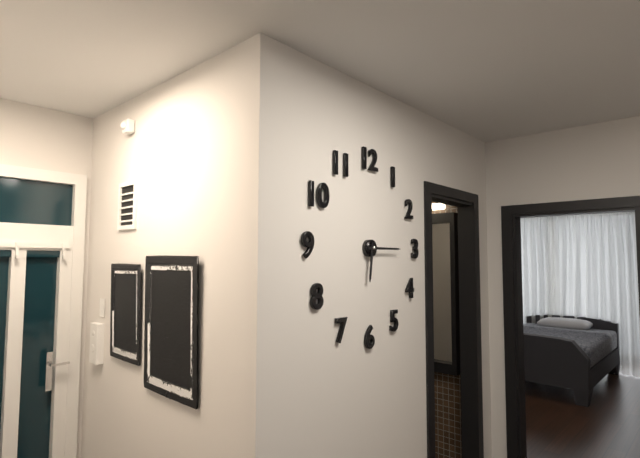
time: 6:15
